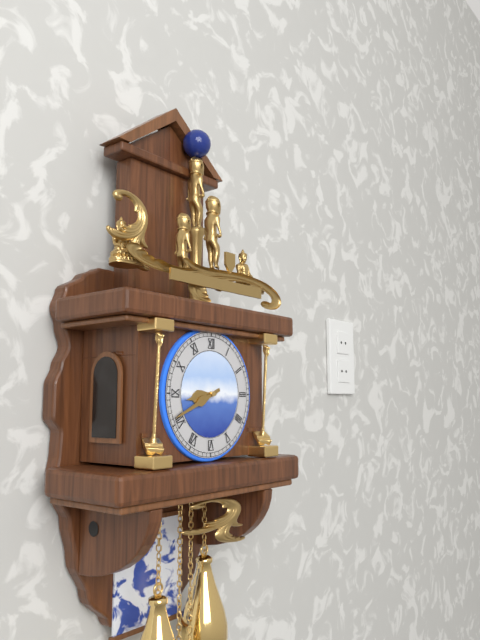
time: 8:41
